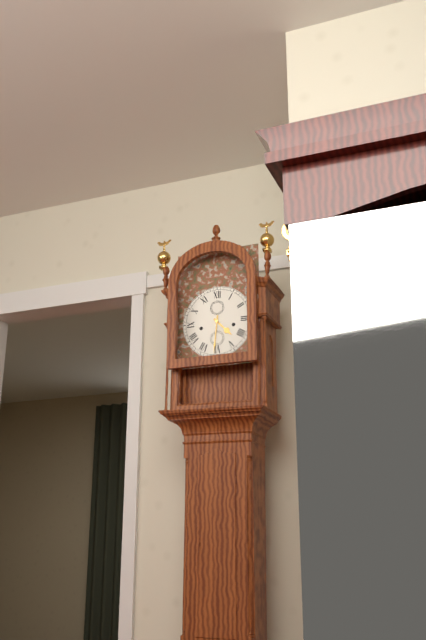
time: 4:31
